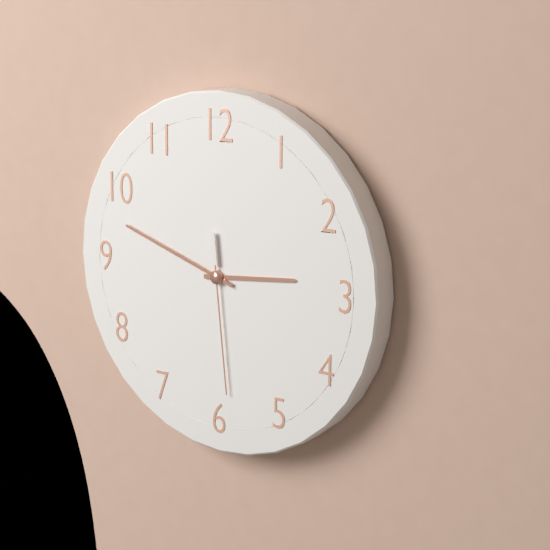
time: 2:48:29
